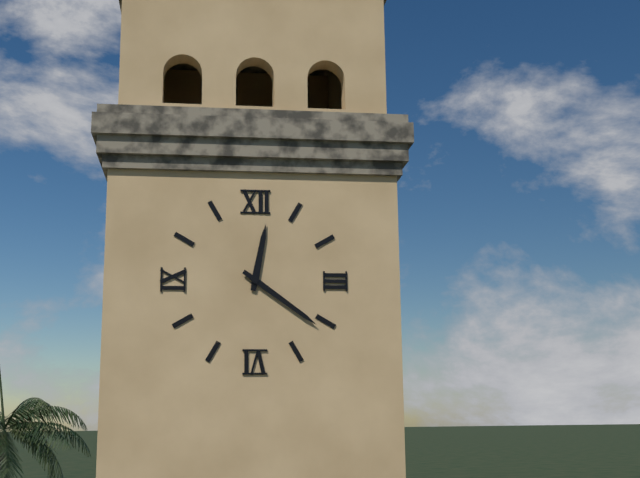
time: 12:21
